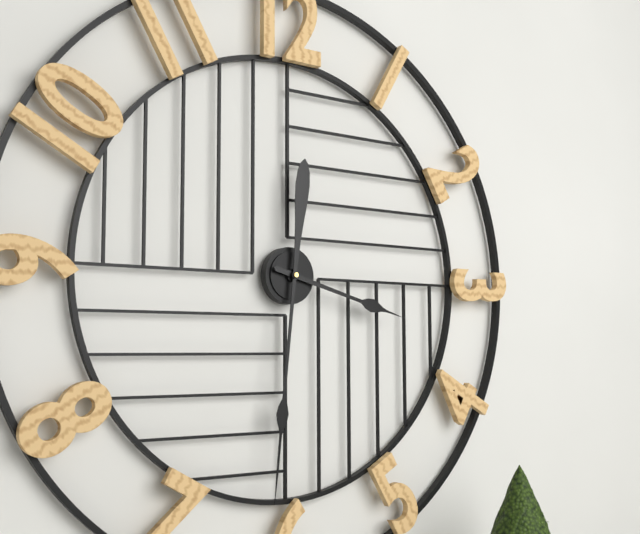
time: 3:31
